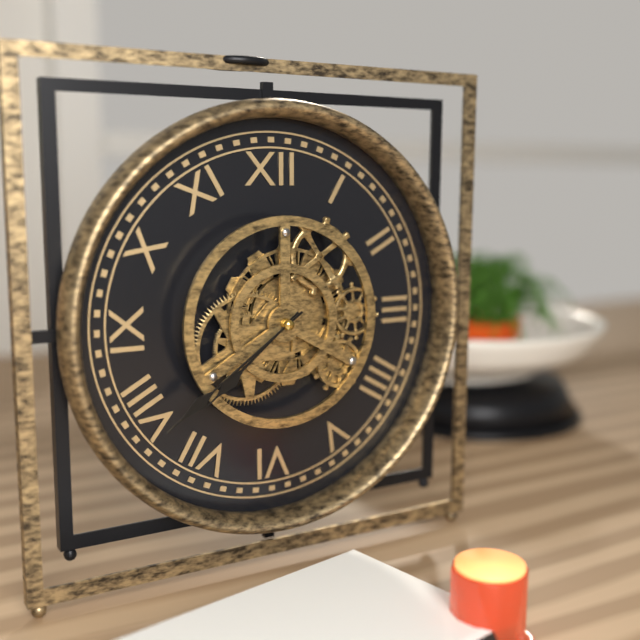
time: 7:39
